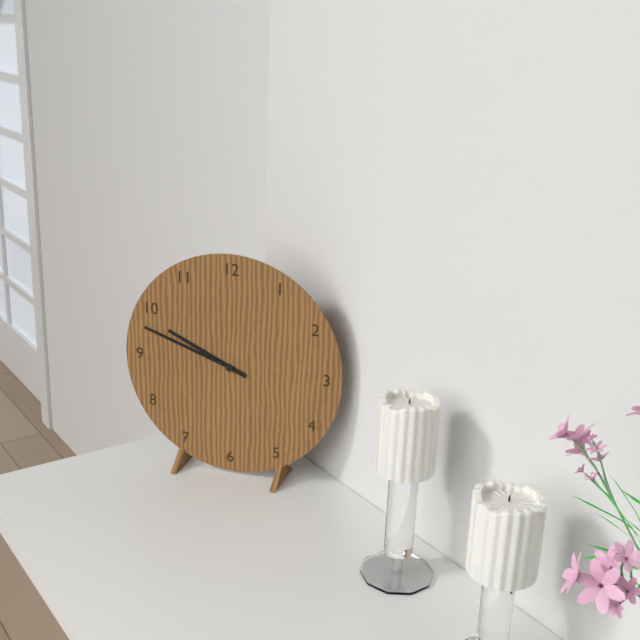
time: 9:48
